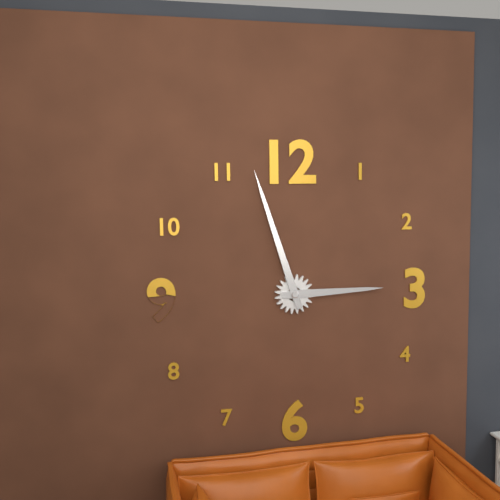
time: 2:57
